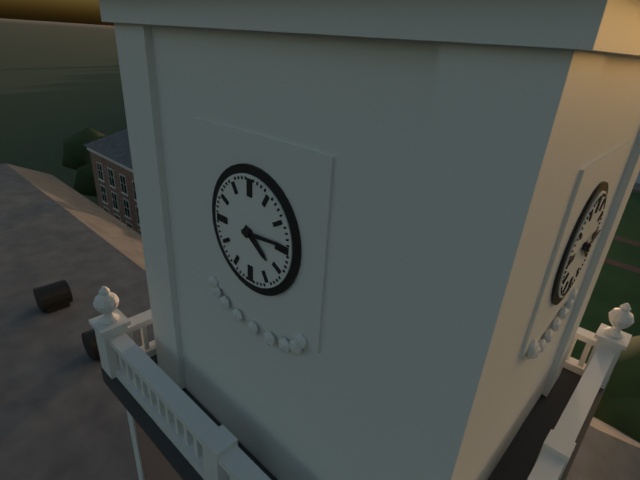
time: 4:14
